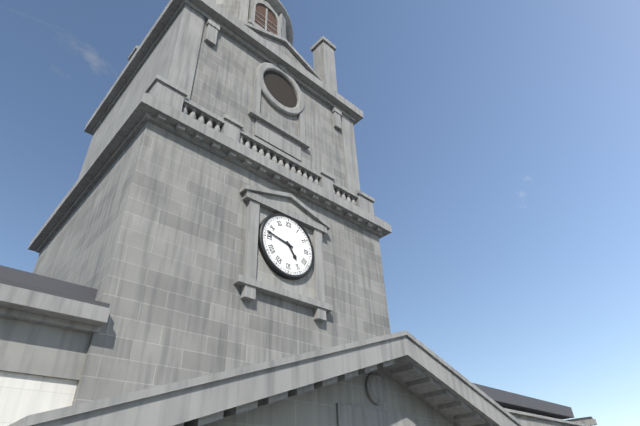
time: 4:47
